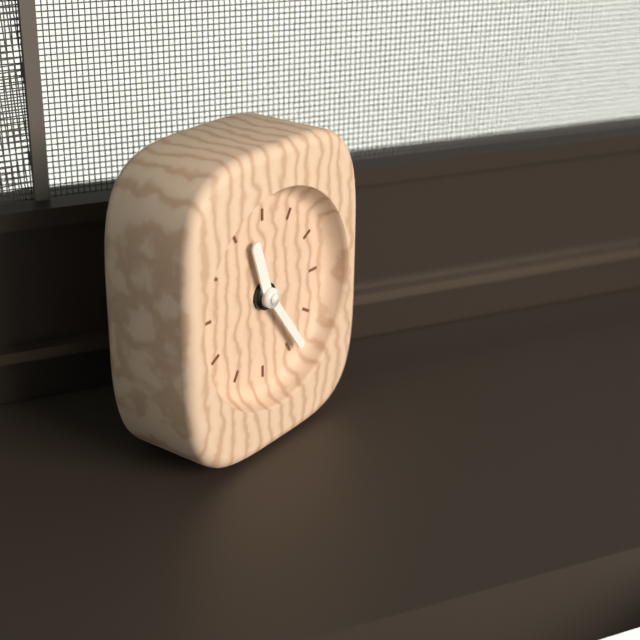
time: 11:24
